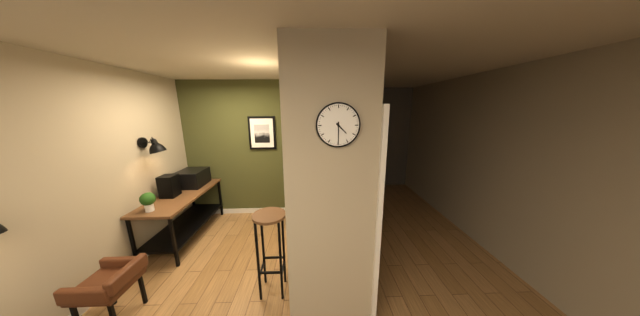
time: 4:30
